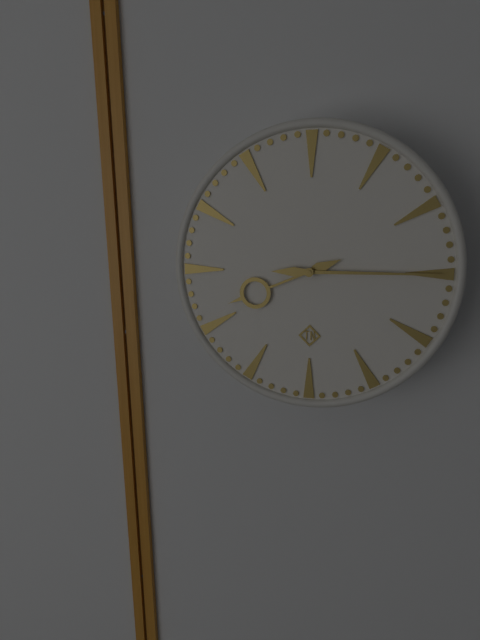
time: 8:15
